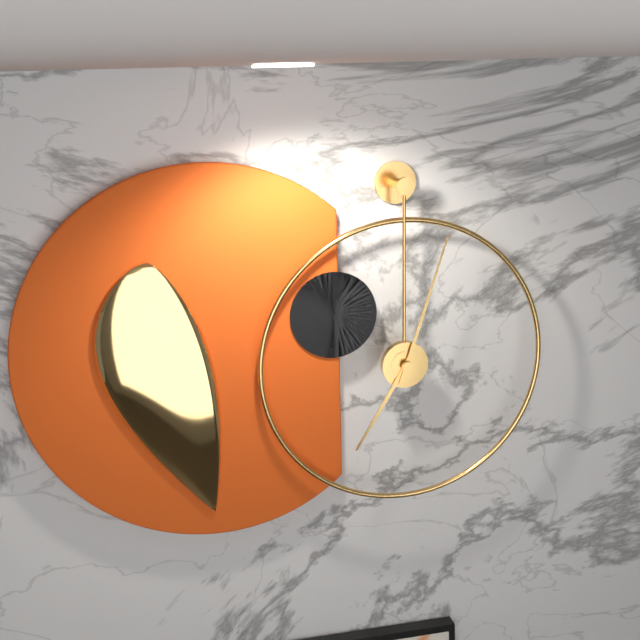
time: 7:03
